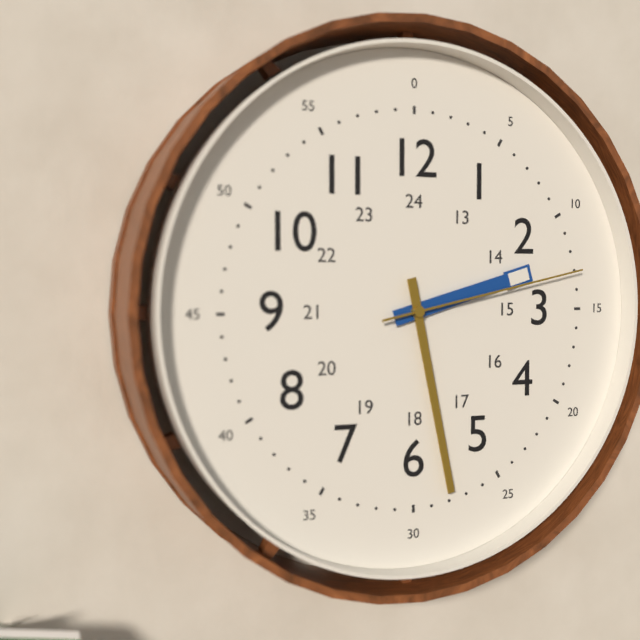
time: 2:28:13
